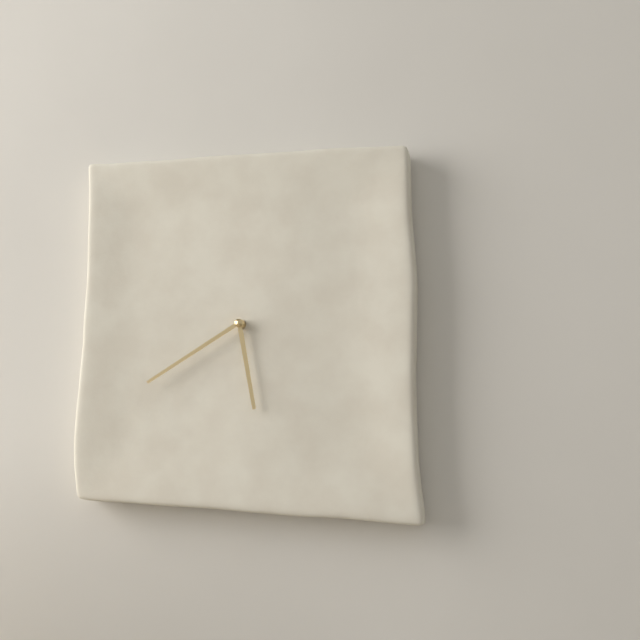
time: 5:40
